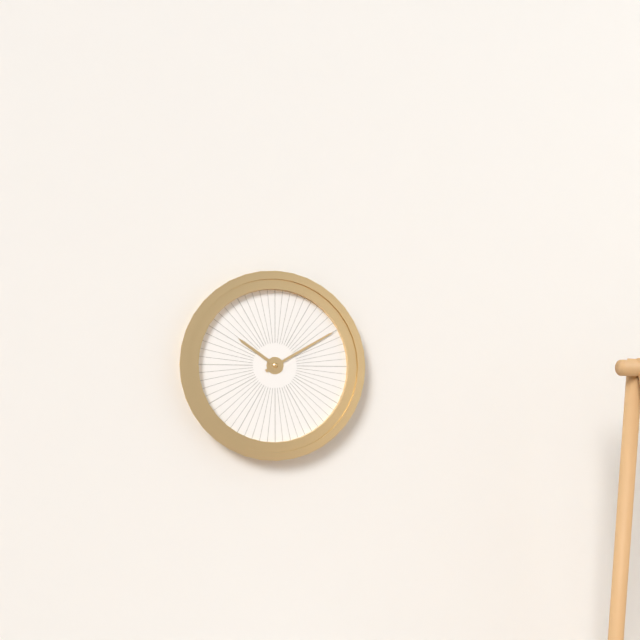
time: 10:10
